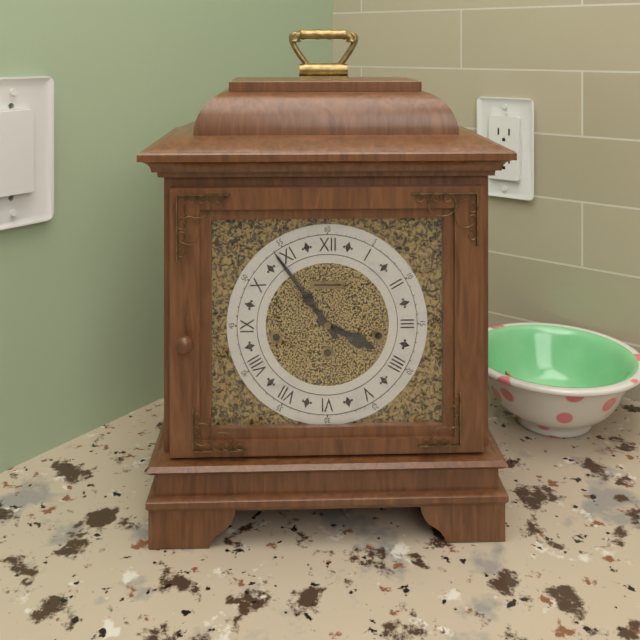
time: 3:54
